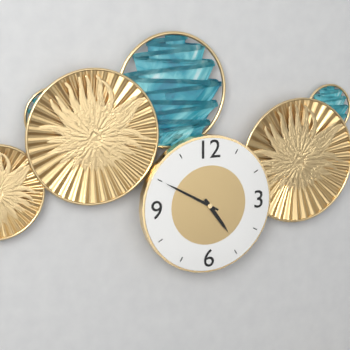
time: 4:50
